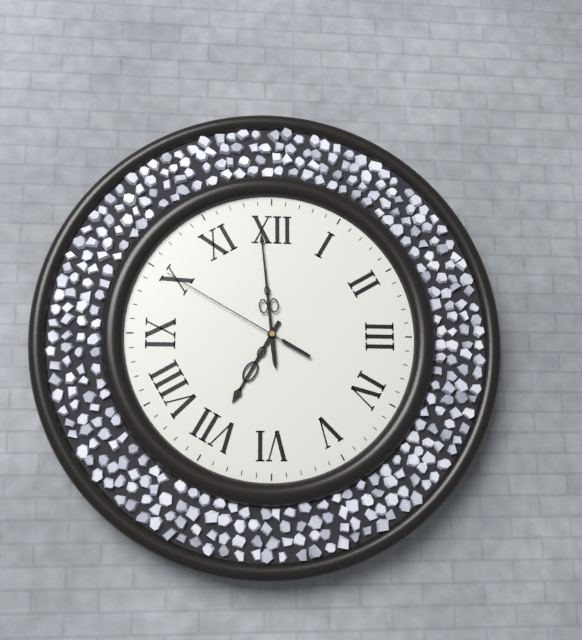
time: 6:59:50
